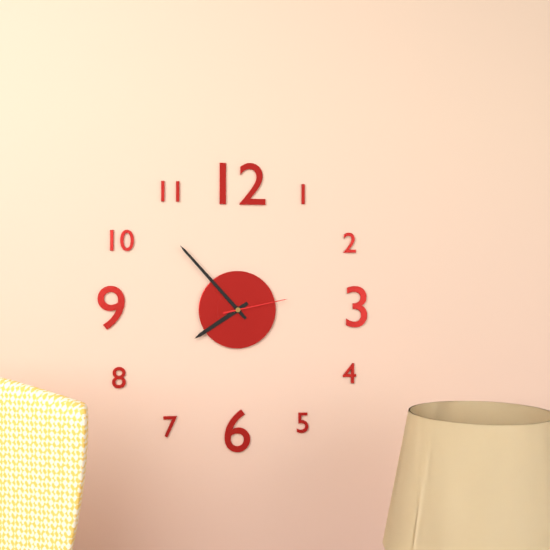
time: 7:53:13
